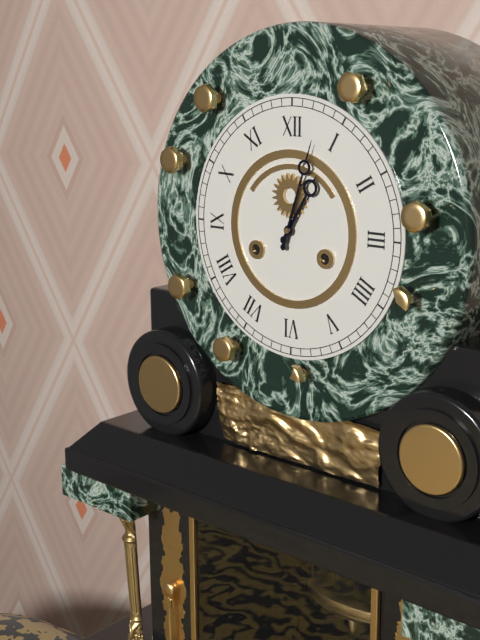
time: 1:03
